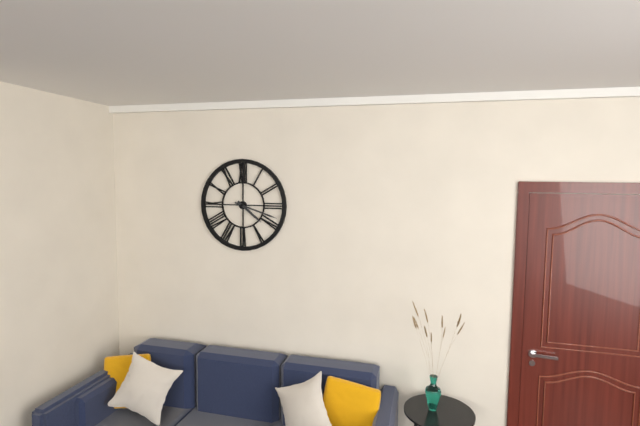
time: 4:18
